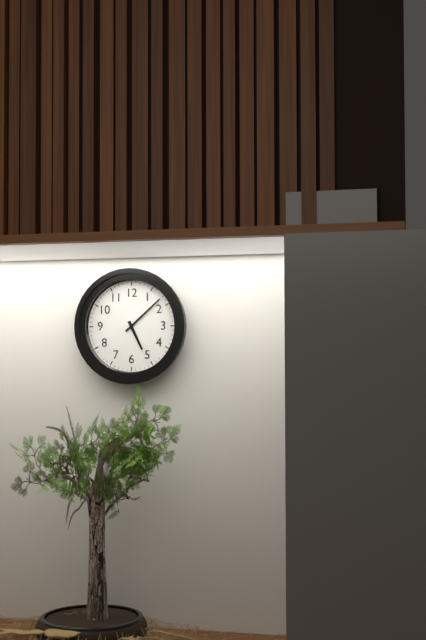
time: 5:08
